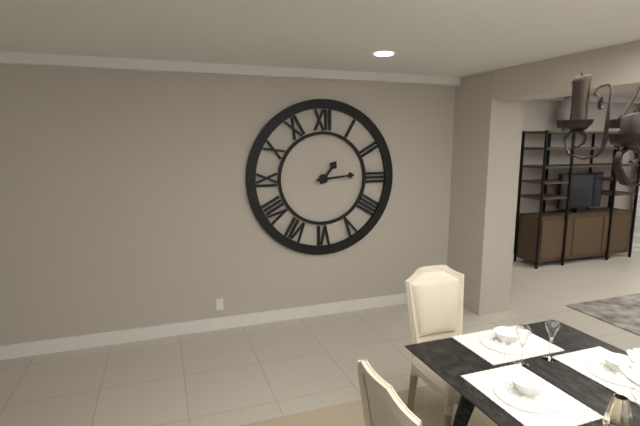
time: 1:14
